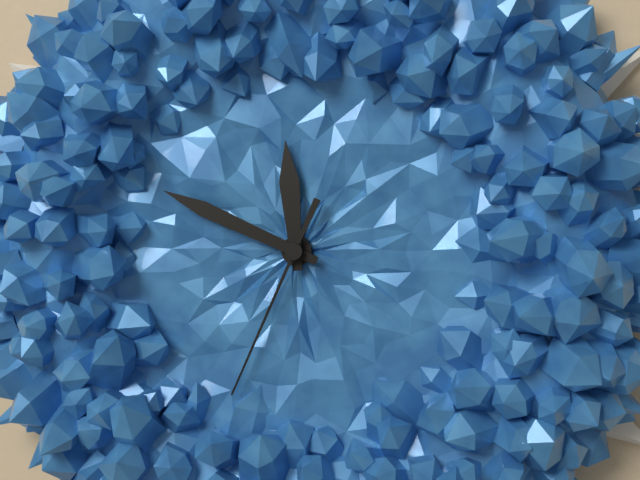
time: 11:49:34
